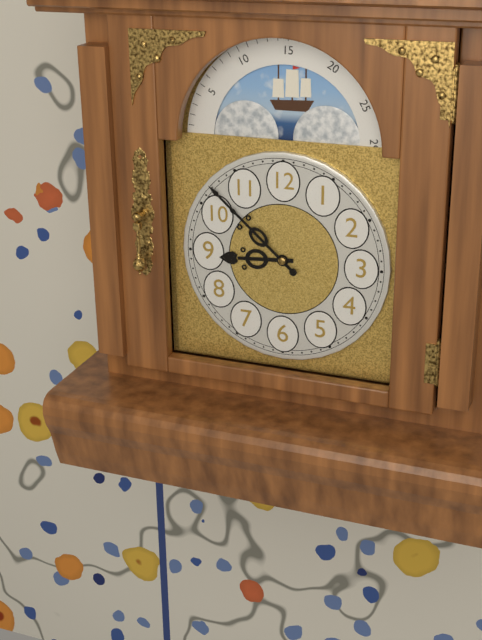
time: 8:52
